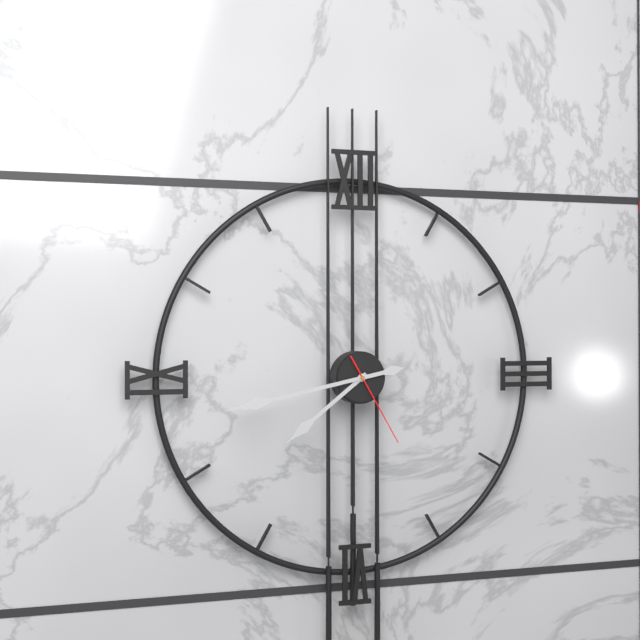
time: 7:43:25
